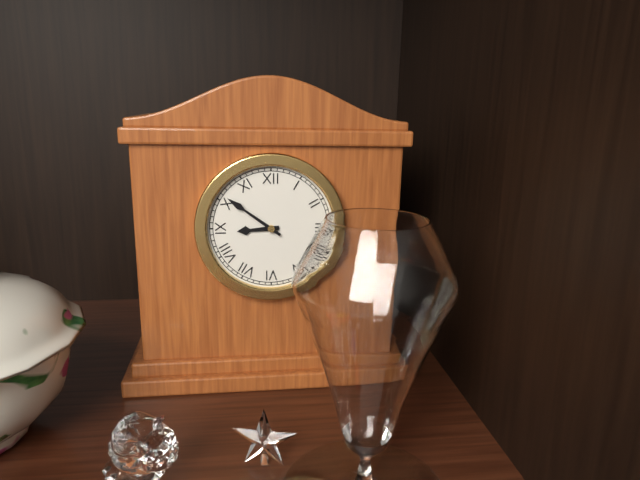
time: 8:51
